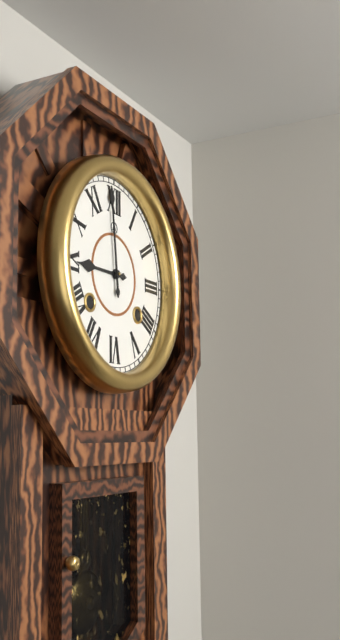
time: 8:59
